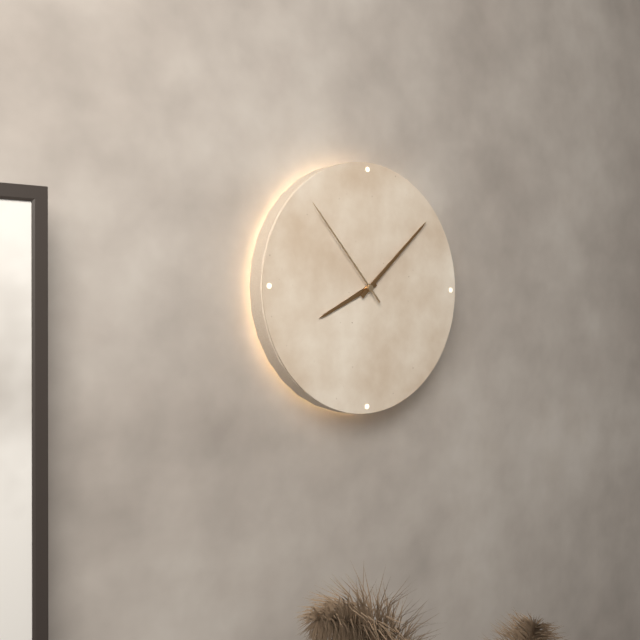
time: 8:08:53
